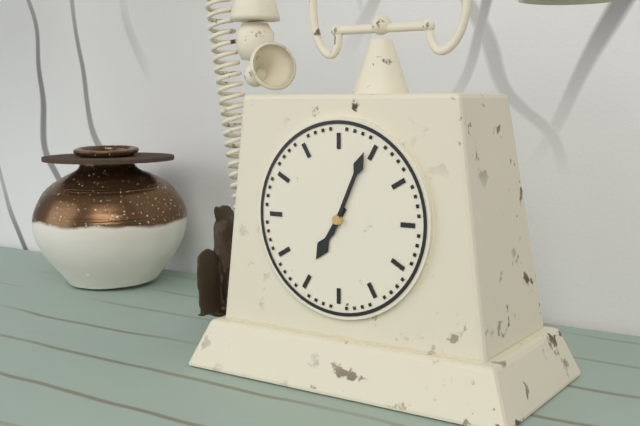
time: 7:04
